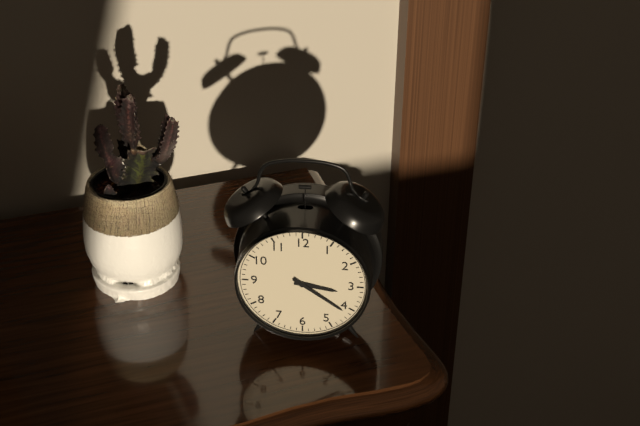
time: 3:21
